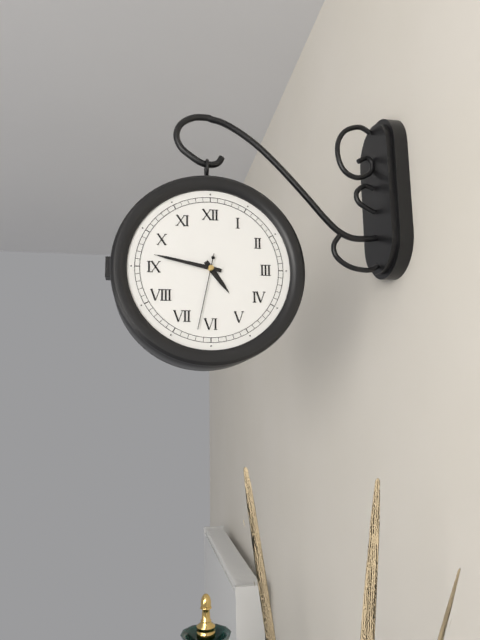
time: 4:47:32
